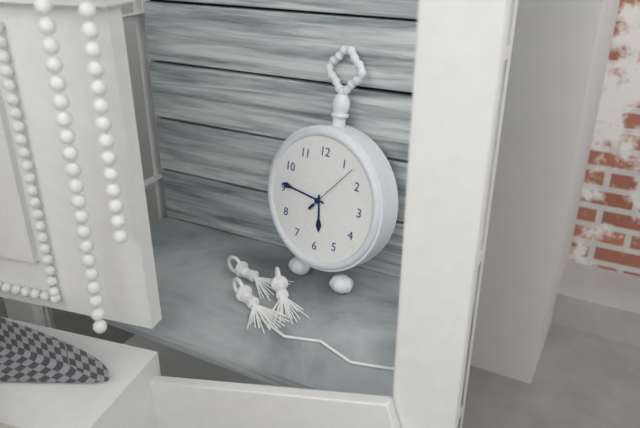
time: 5:46:07
